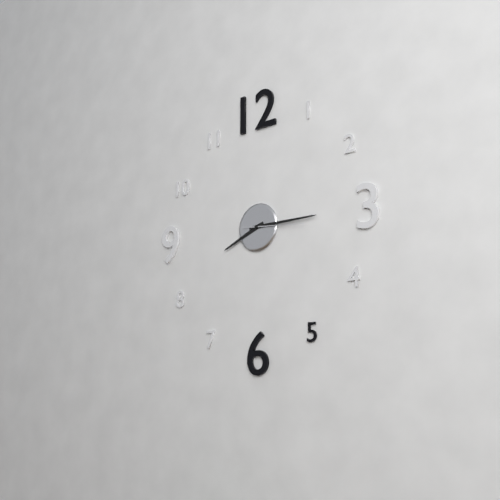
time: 8:15:16
